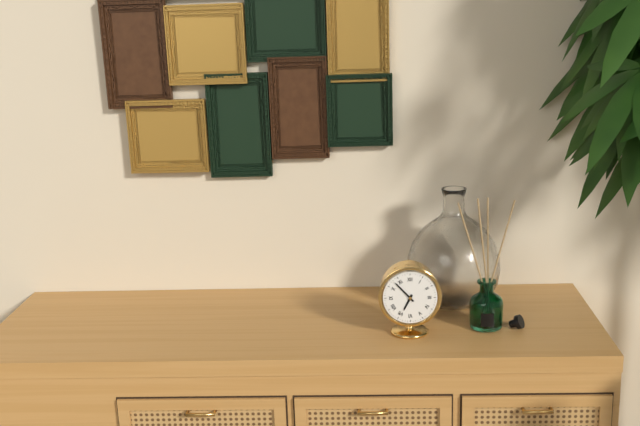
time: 6:53
